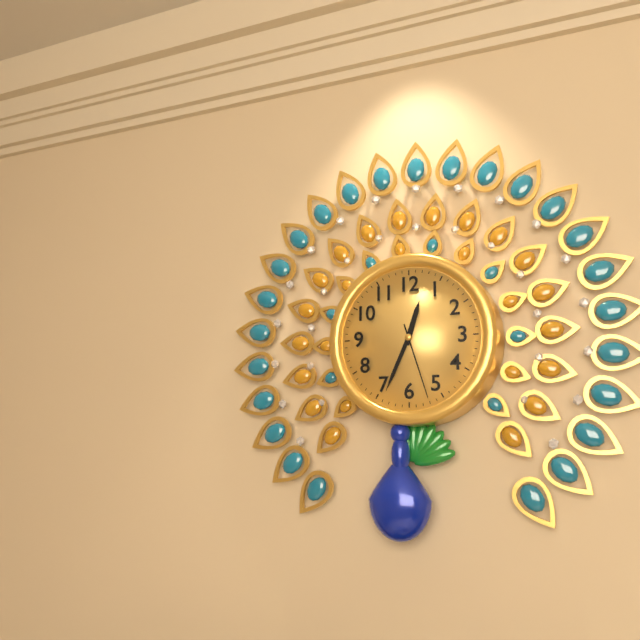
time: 12:34:27
